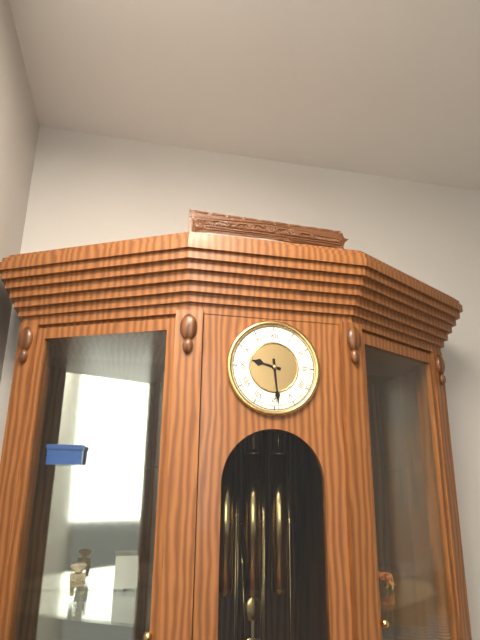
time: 9:29
